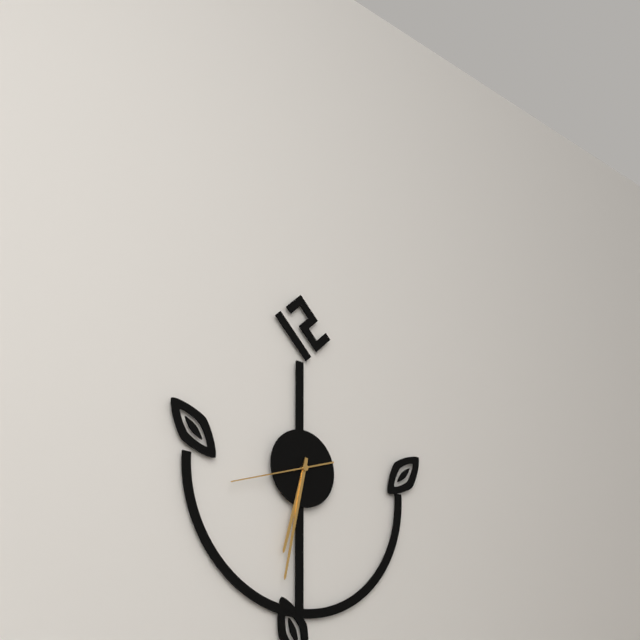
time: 6:32:42
